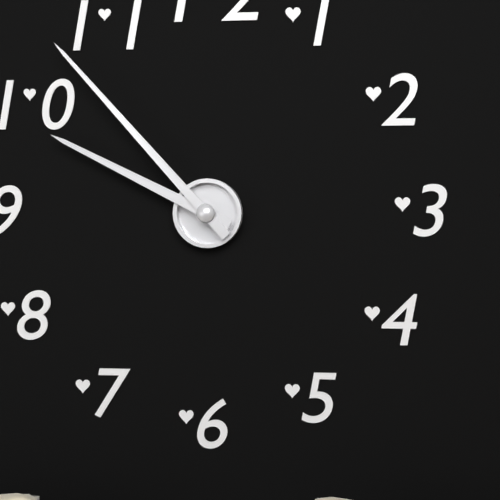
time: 9:53
